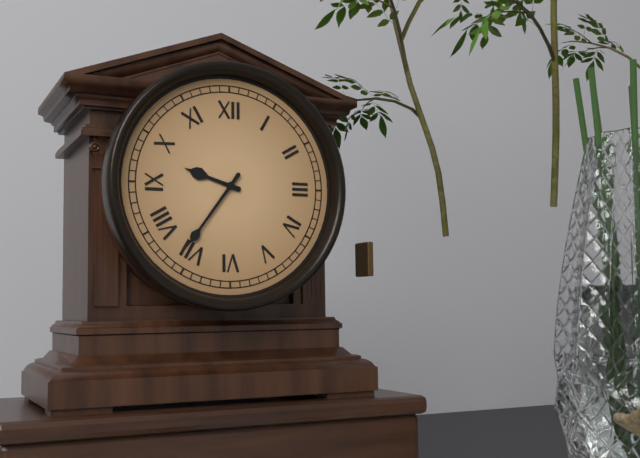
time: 9:36
